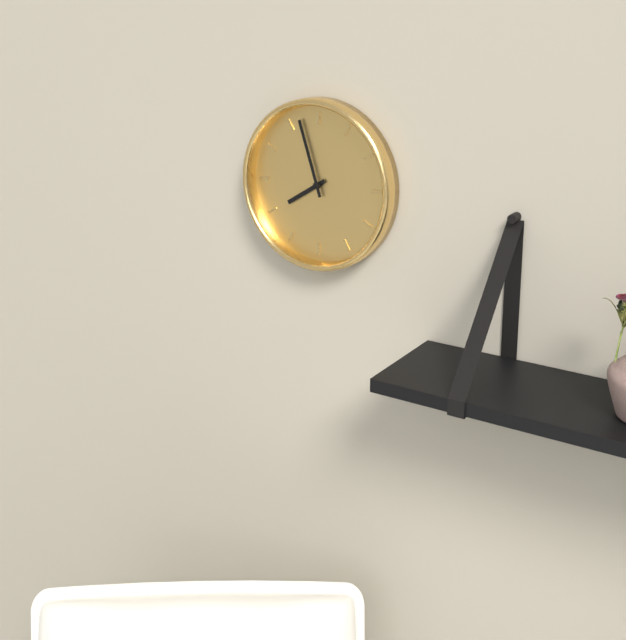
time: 7:57
